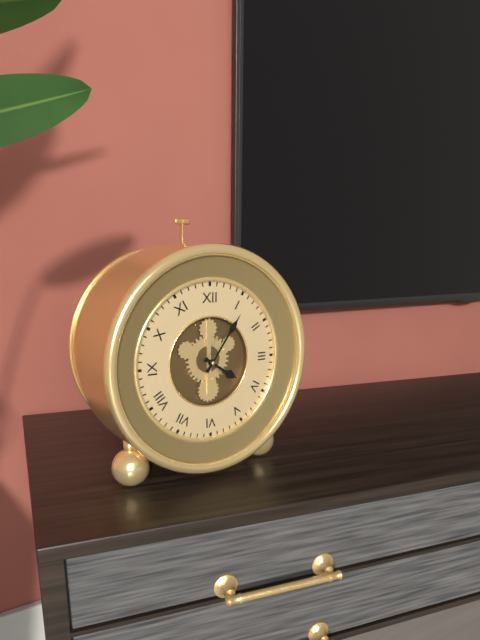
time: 4:06
